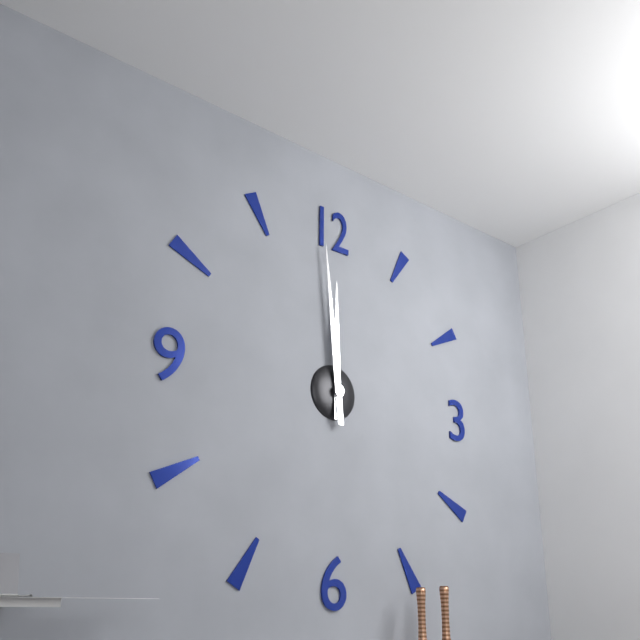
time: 11:59
